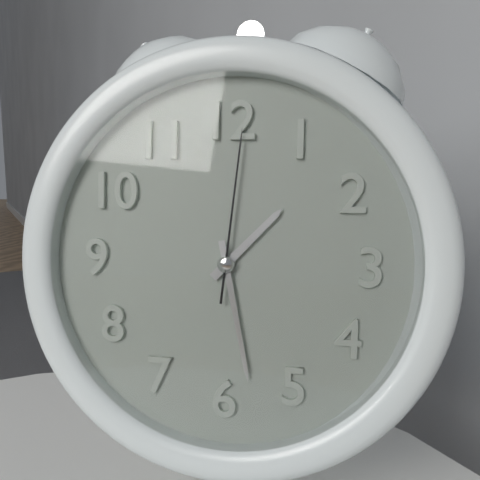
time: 1:28:01
